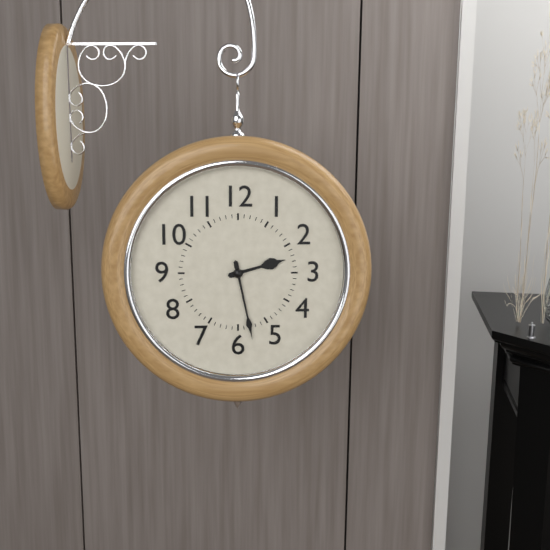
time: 2:28
